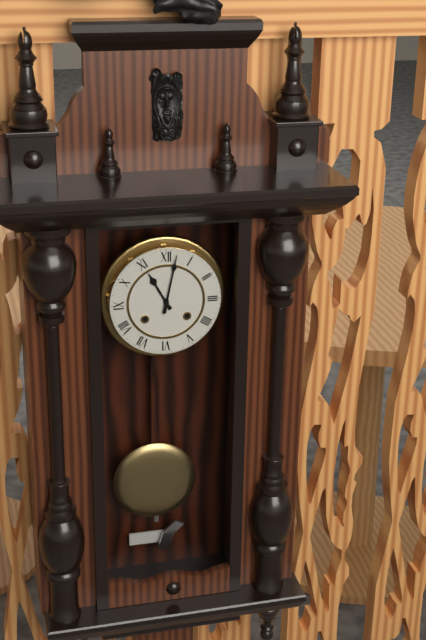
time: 11:02
